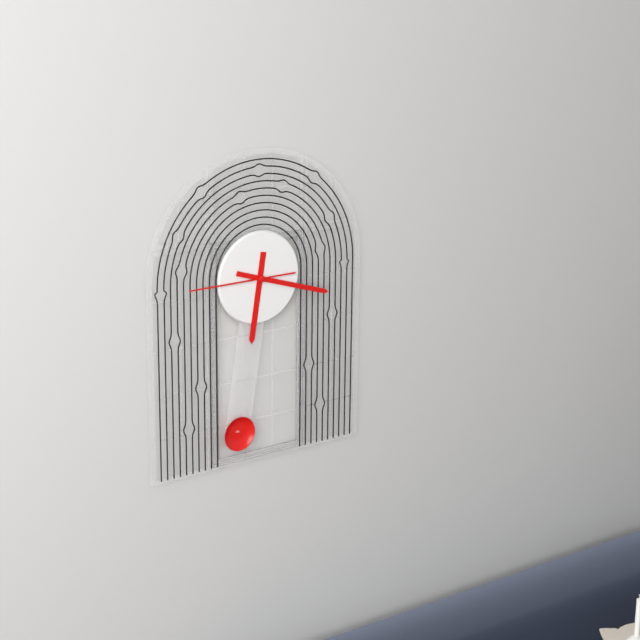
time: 6:18:45
